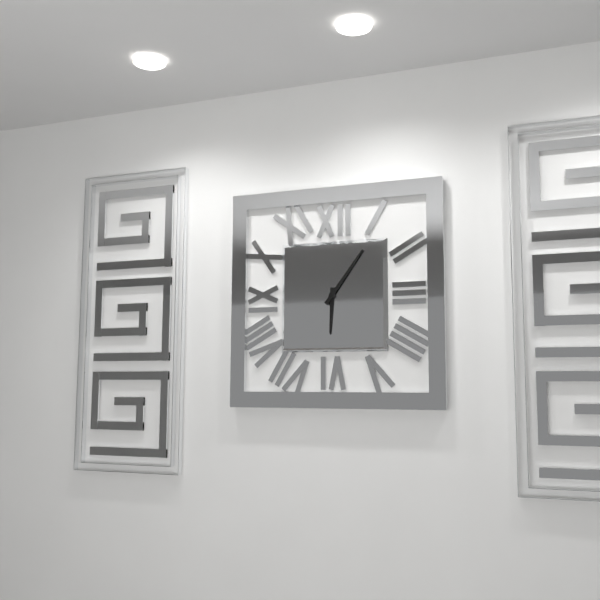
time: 6:06
